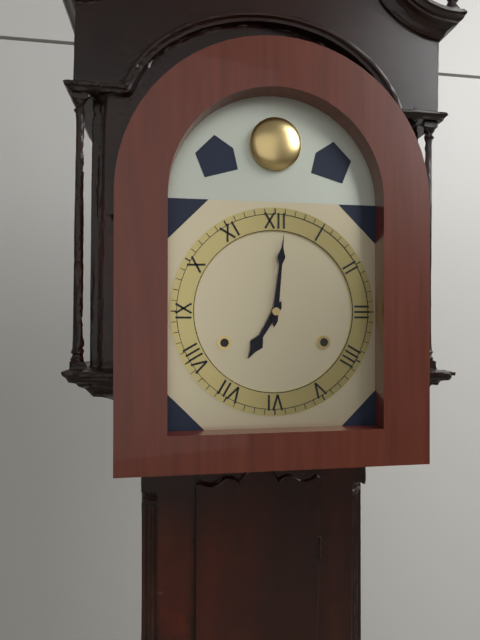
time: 7:01
